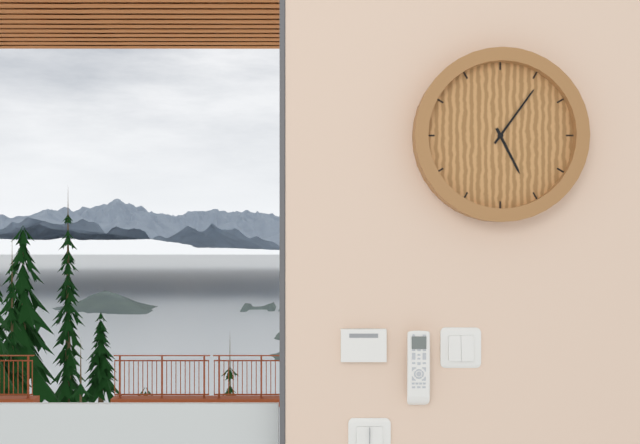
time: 5:06
